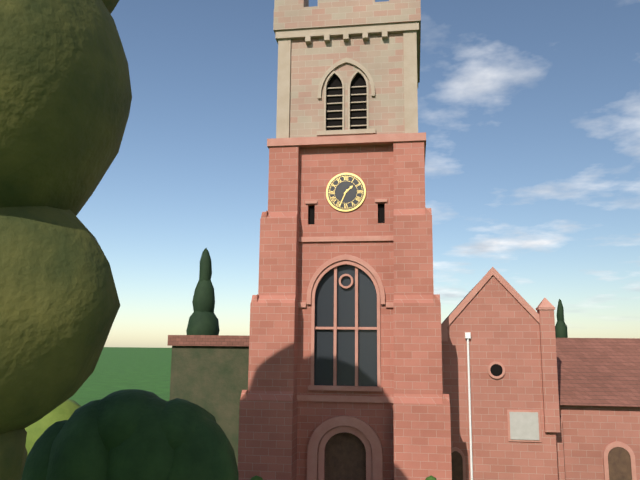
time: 1:34
